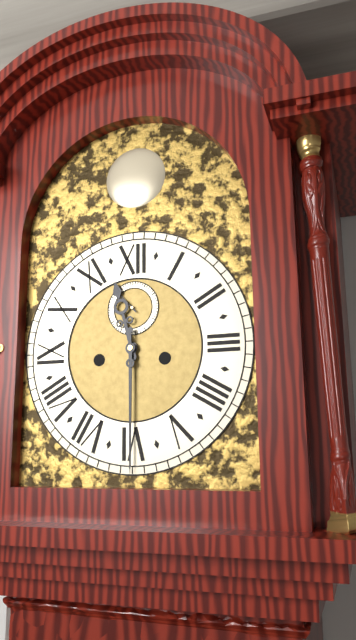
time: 11:30
